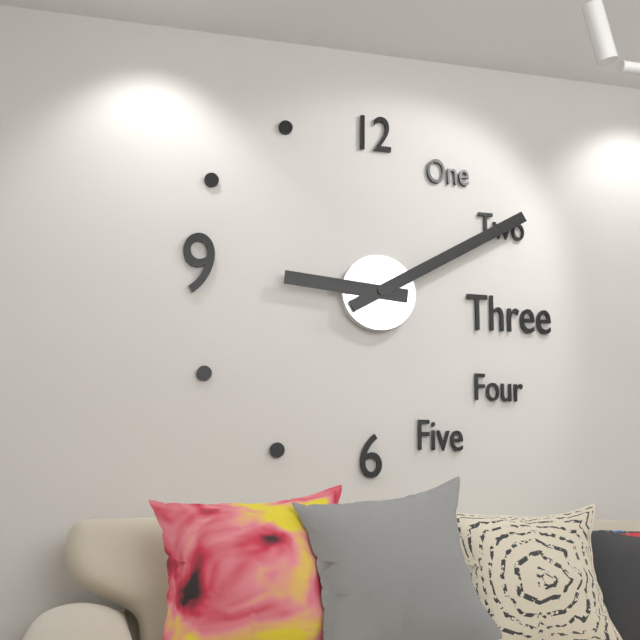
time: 9:10
